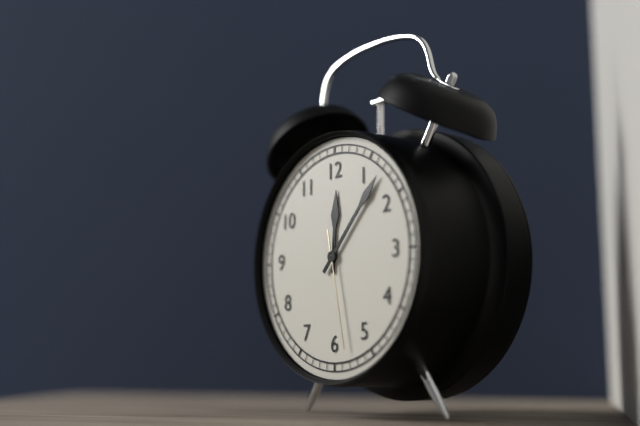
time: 12:07:28
